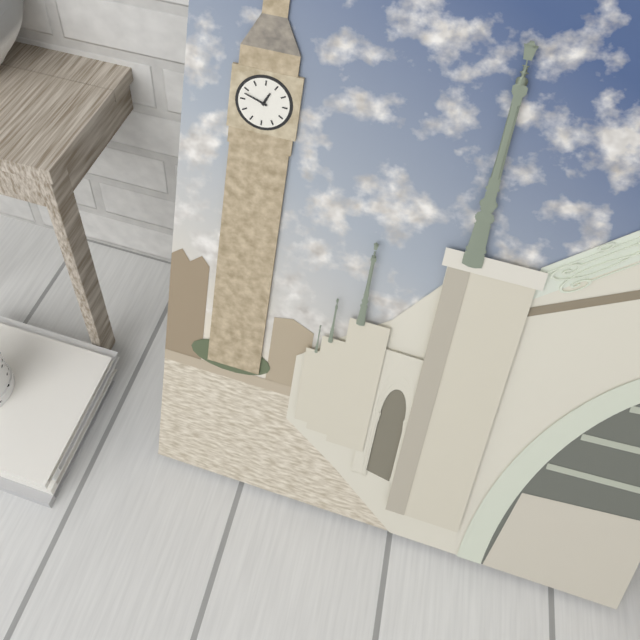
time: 12:48
